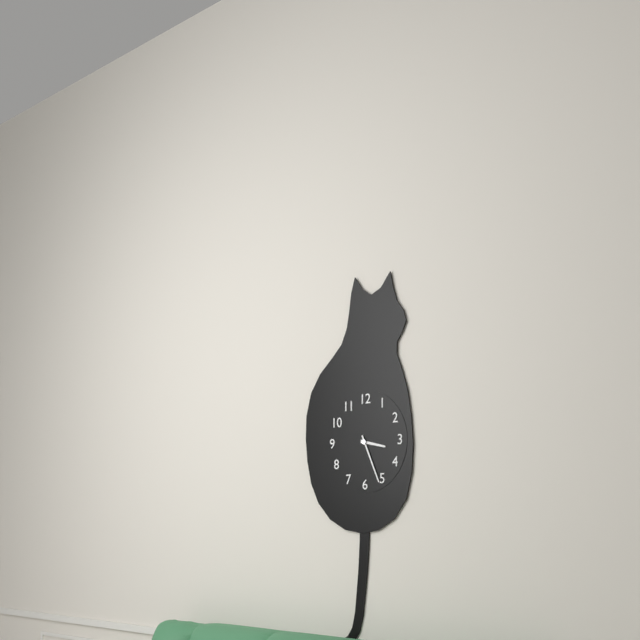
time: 3:26
